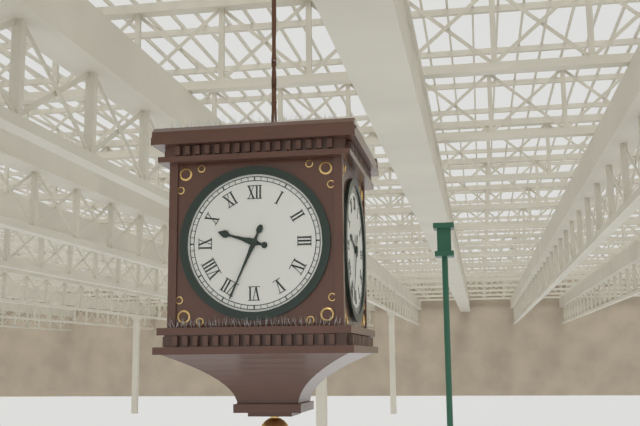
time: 9:34
